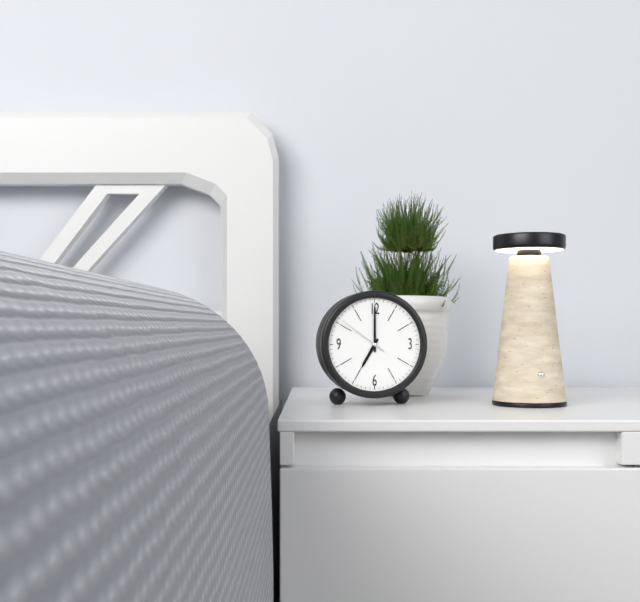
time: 7:00:51
